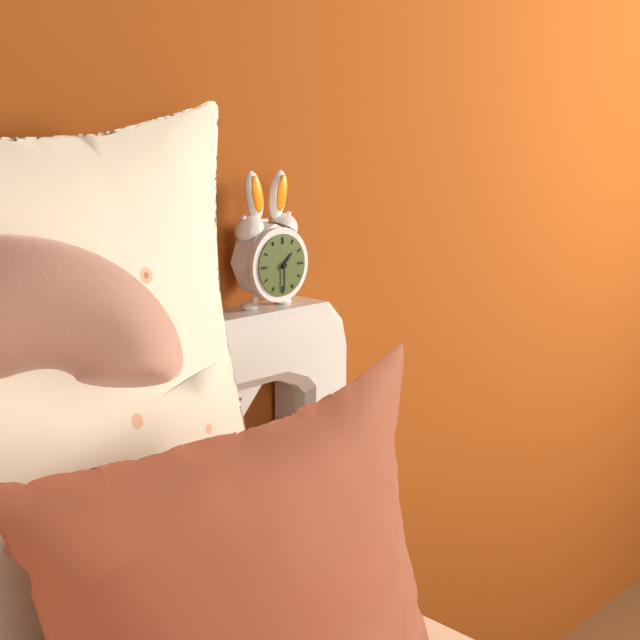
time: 1:30
